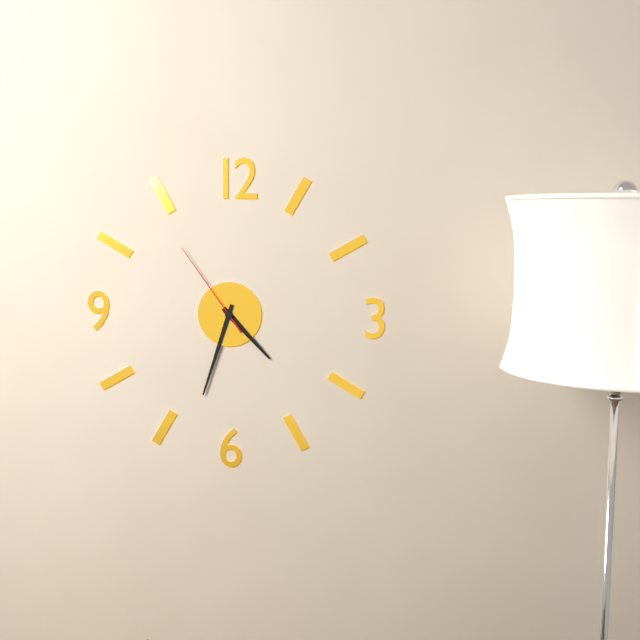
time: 4:33:54
